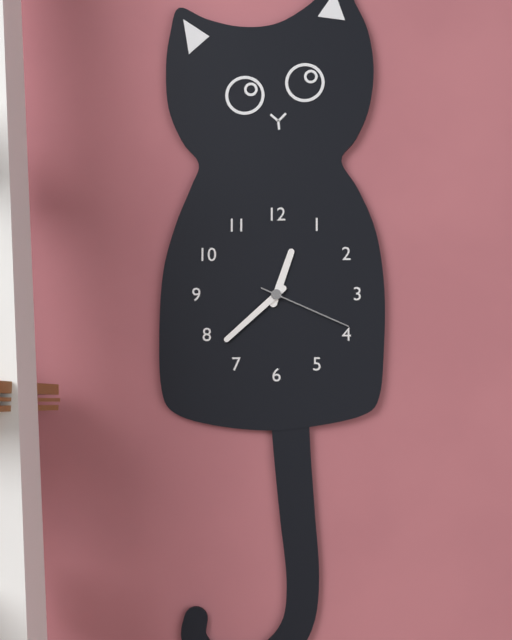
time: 12:38:19
